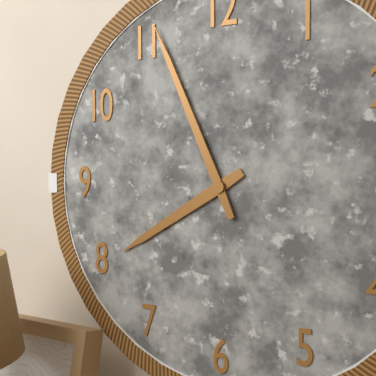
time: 7:56
